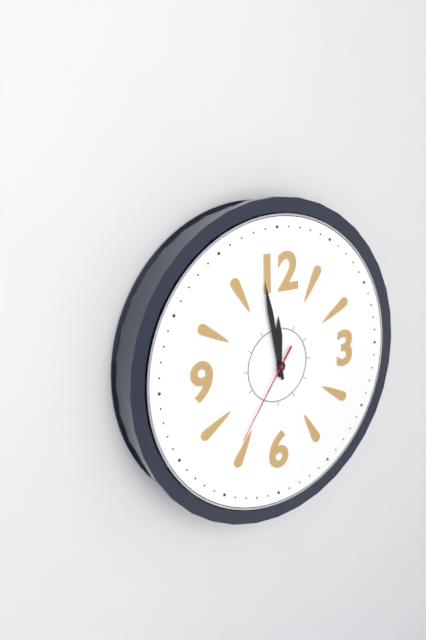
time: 11:58:36
